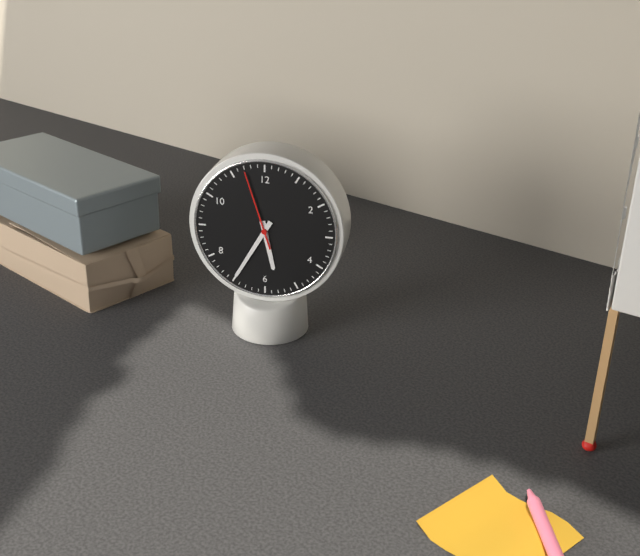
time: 5:35:57
